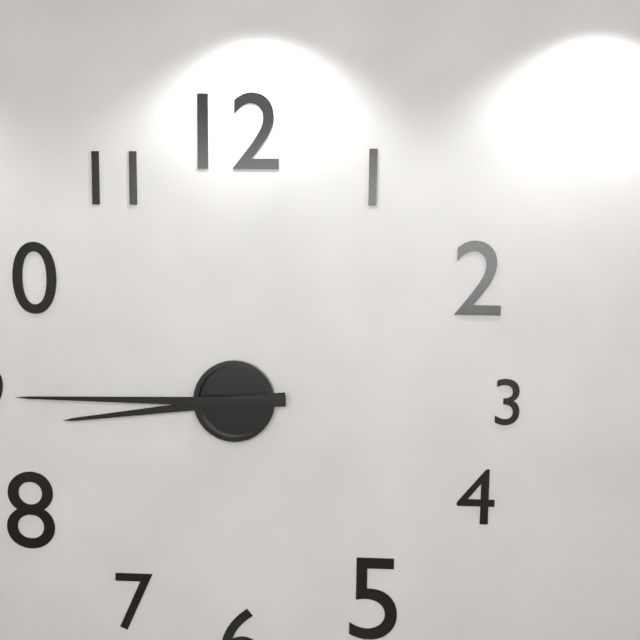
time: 8:45
